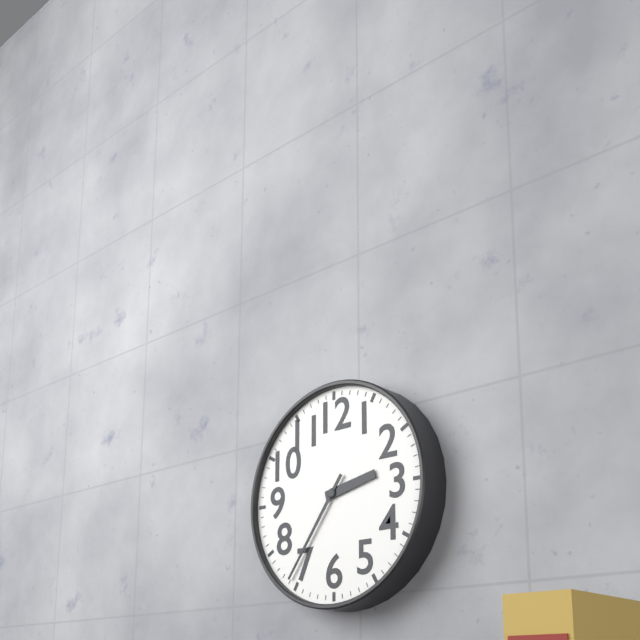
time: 2:36
